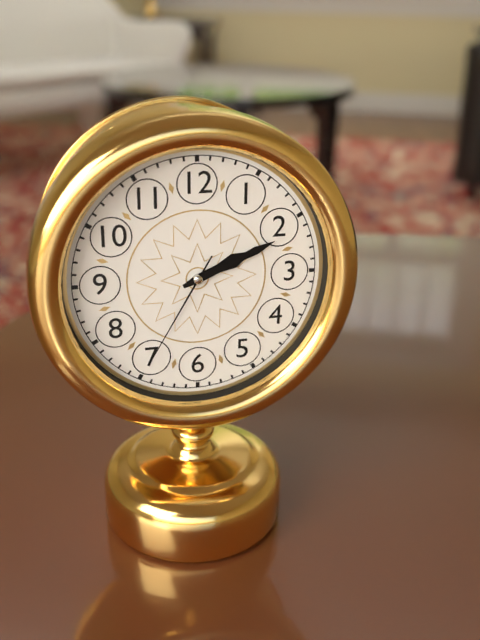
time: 2:11:35
